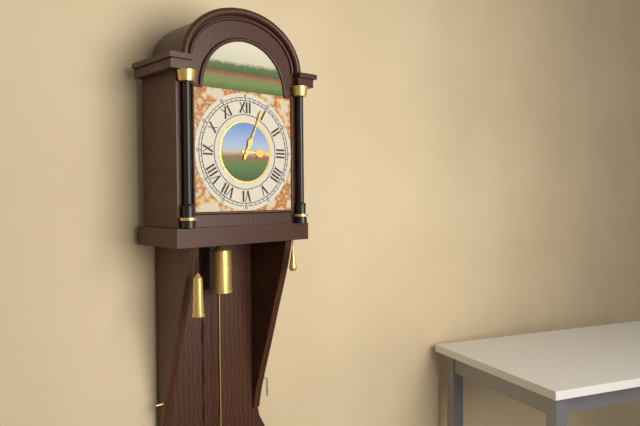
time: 3:04
